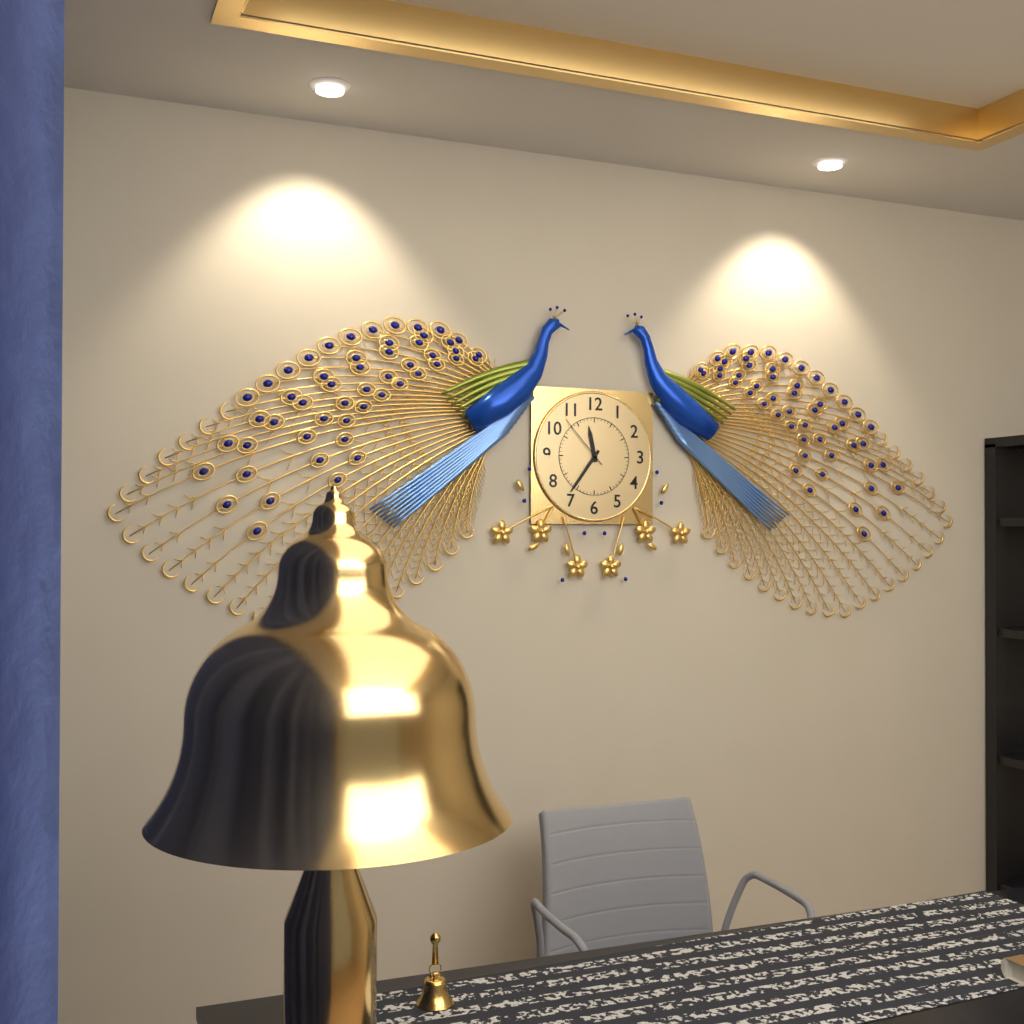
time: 11:36:53
